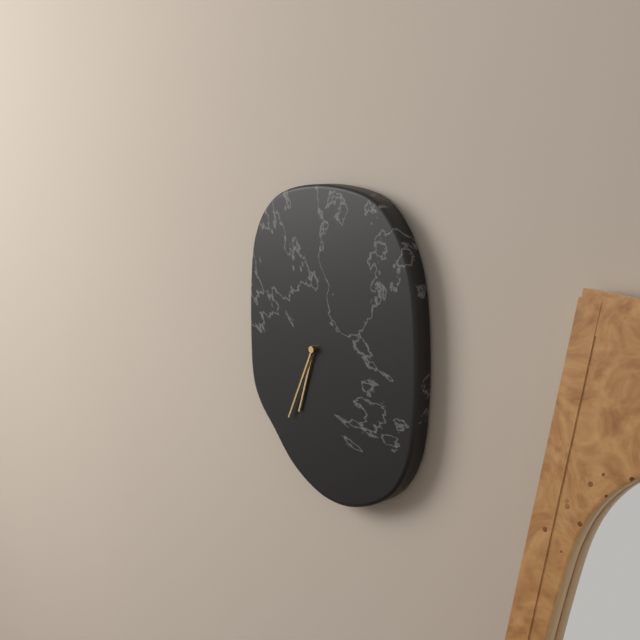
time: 6:34
